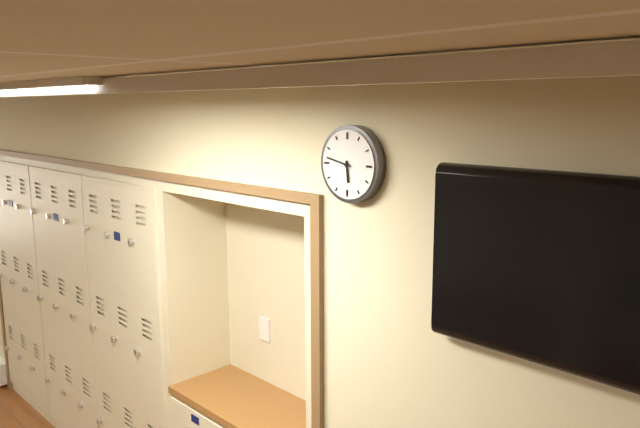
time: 5:47
